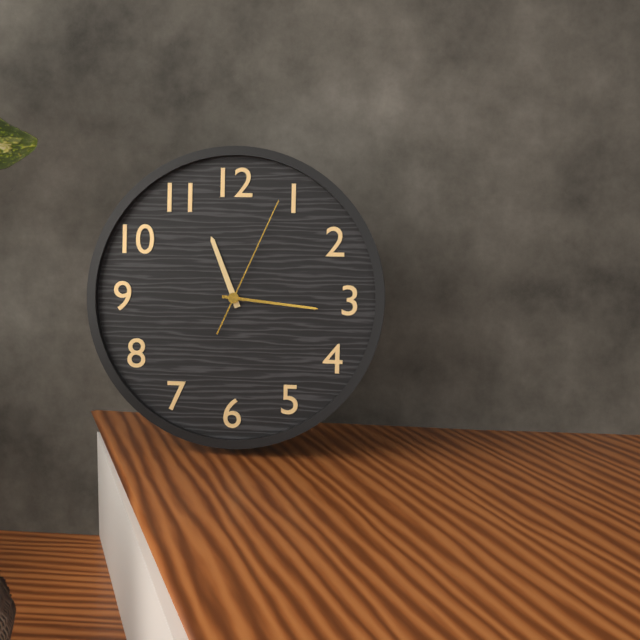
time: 11:16:04
